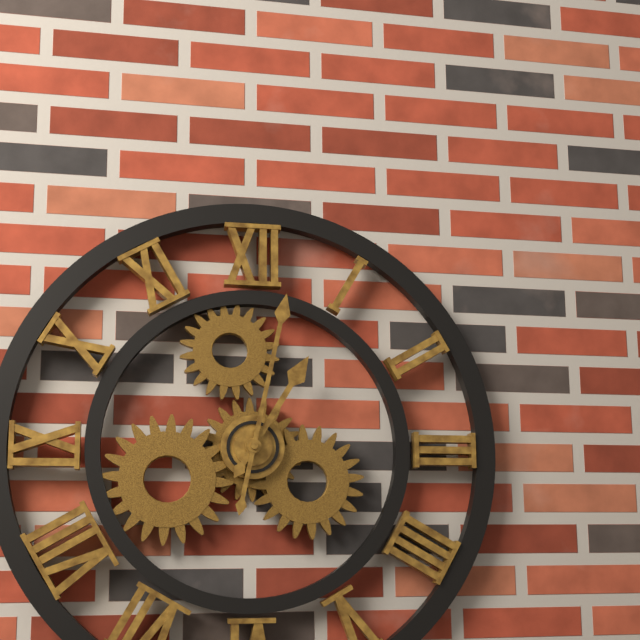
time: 1:02
